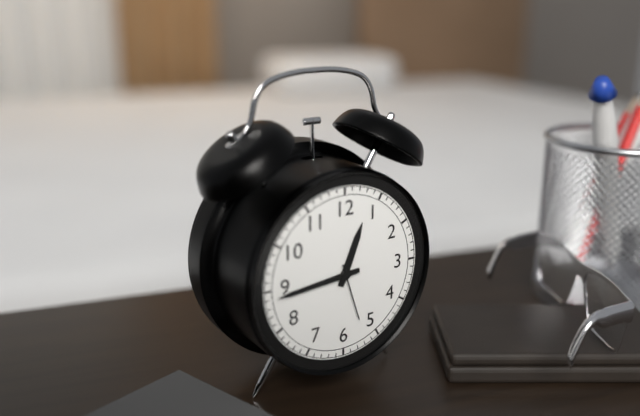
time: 12:44:27
